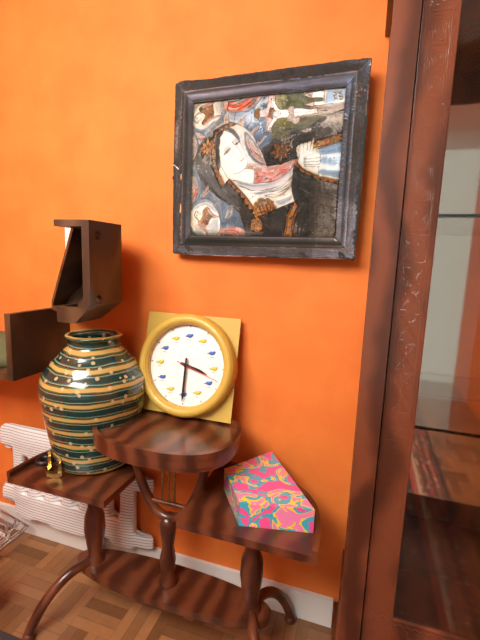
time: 3:30
